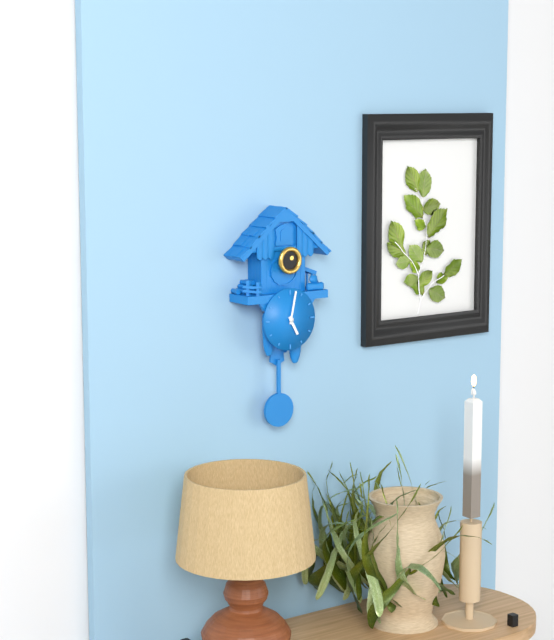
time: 5:02
